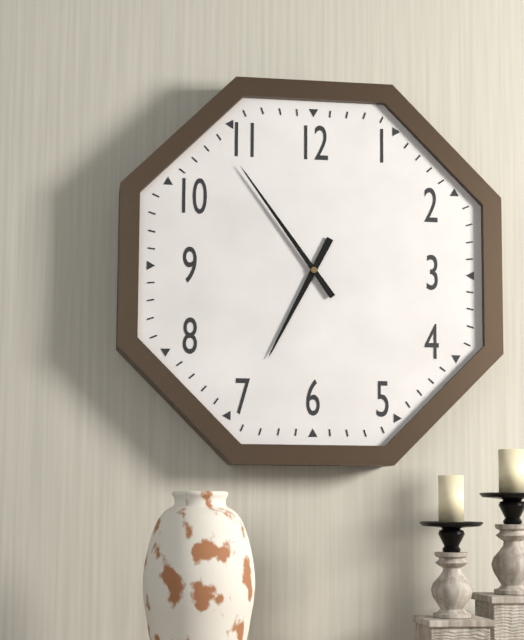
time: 6:54
